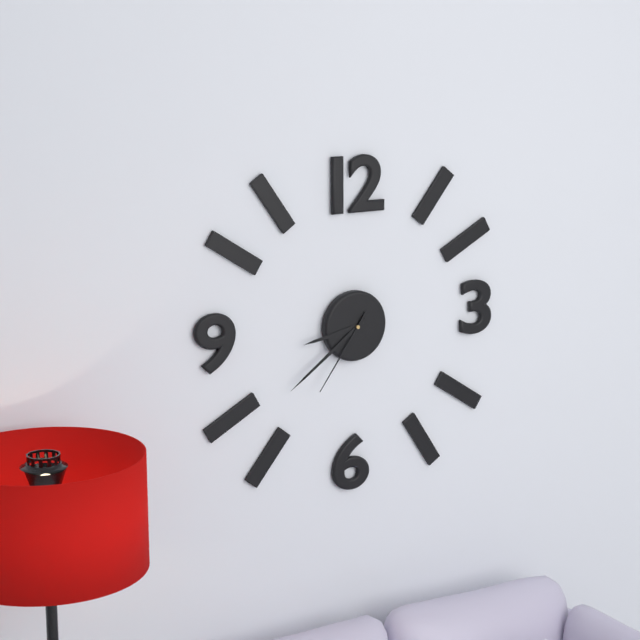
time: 8:39:36
